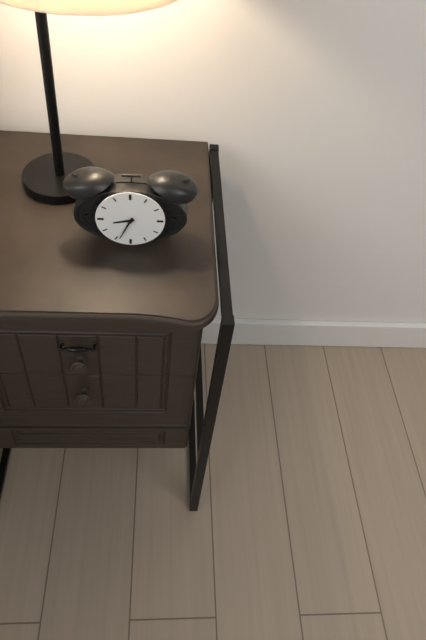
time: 8:34
